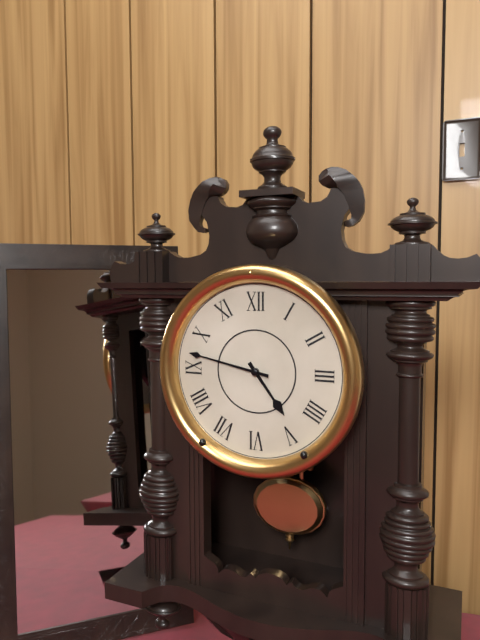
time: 4:47
